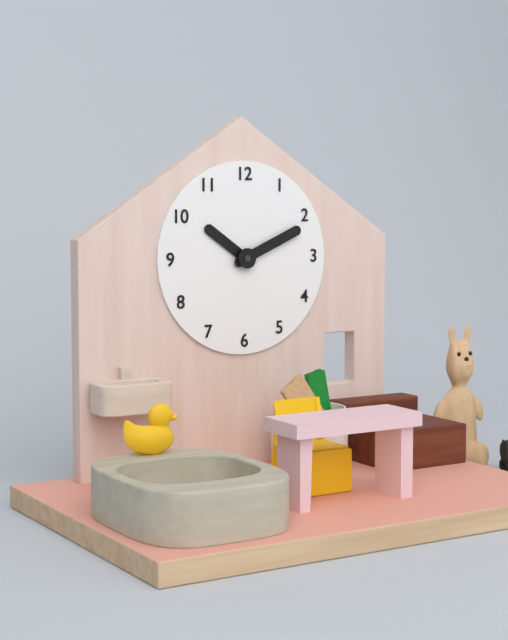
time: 10:11
